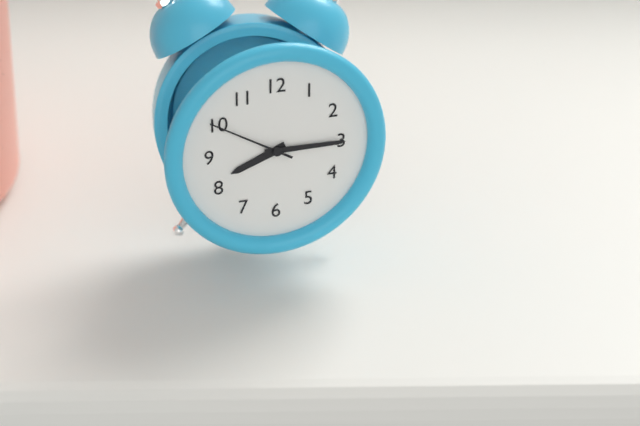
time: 8:15:50
